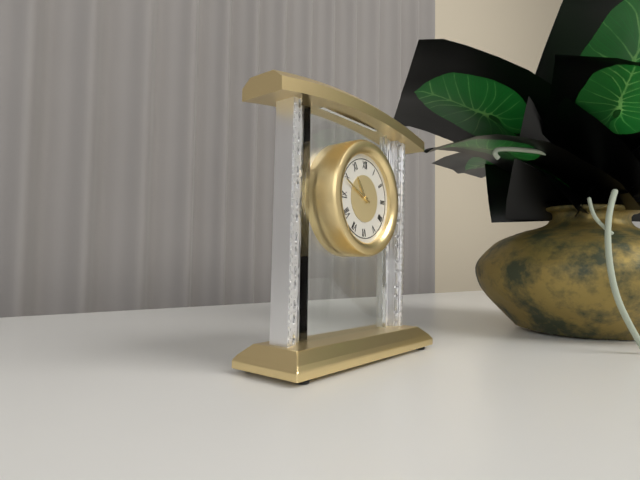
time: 10:49
